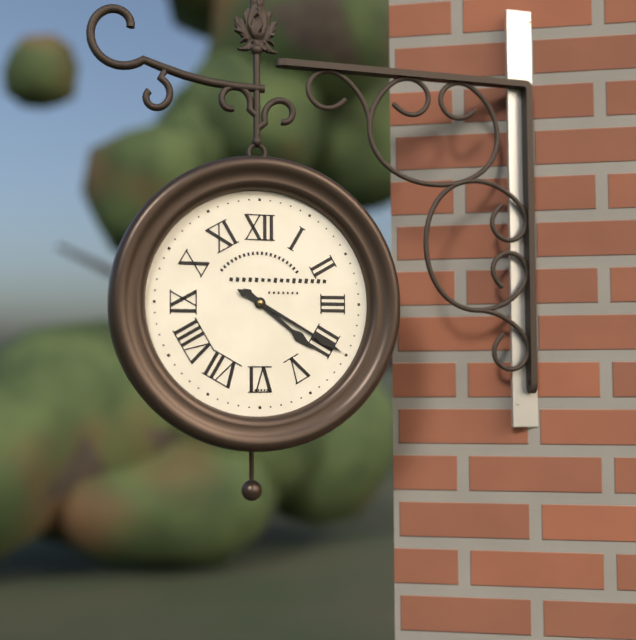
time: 4:20
